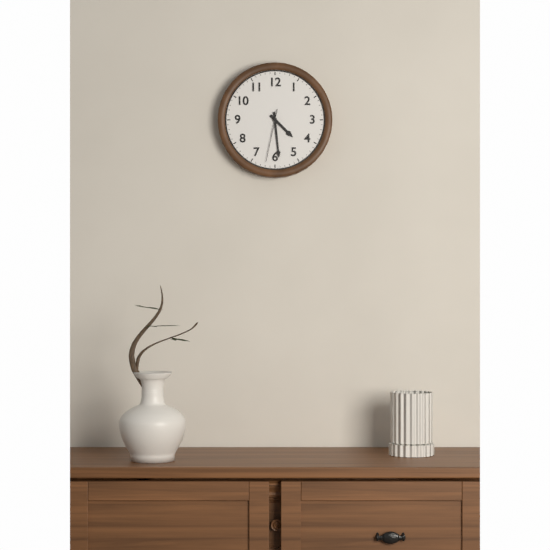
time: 4:29:32
